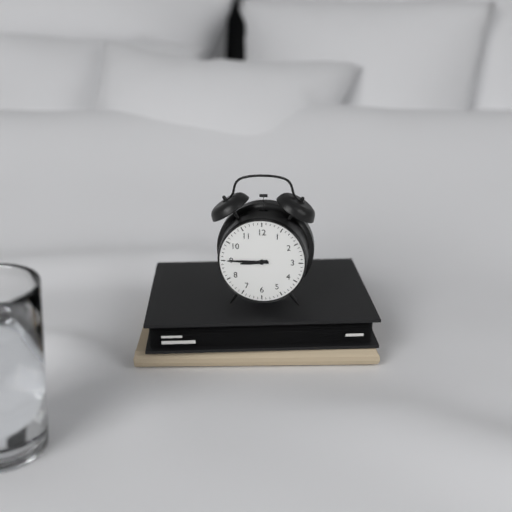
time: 8:45
